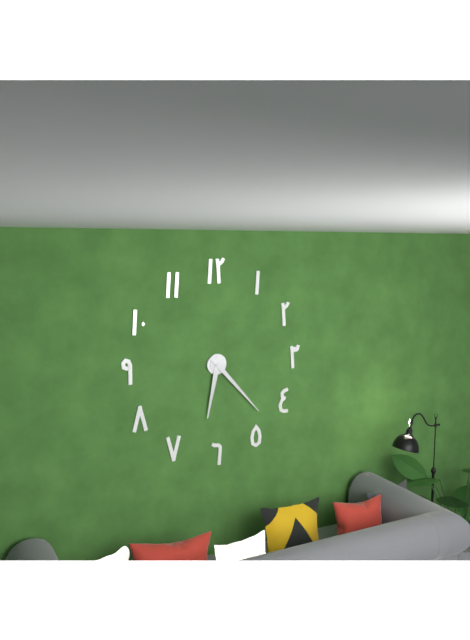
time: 6:23
